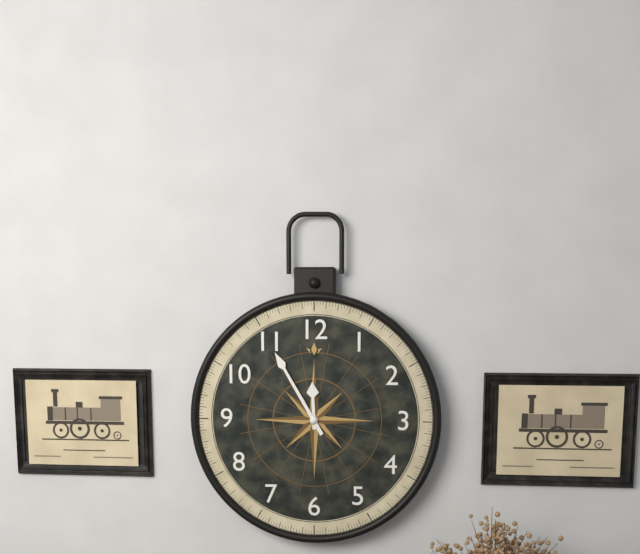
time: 11:55
